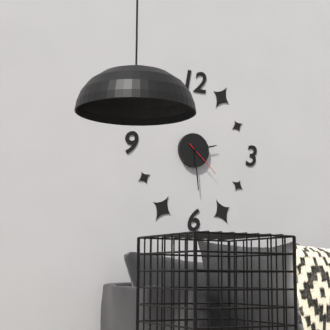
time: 2:29
